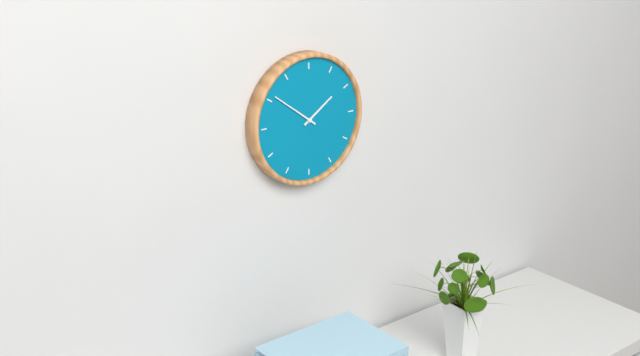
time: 1:51
